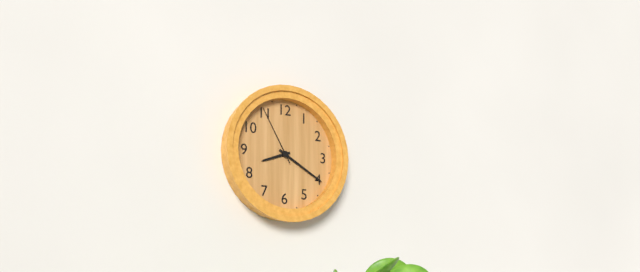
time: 8:20:55
